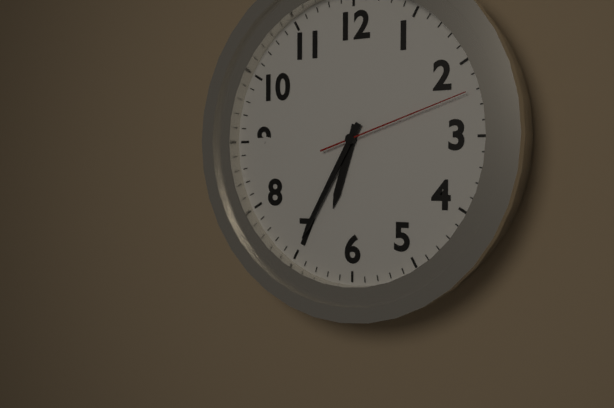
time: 6:35:12
